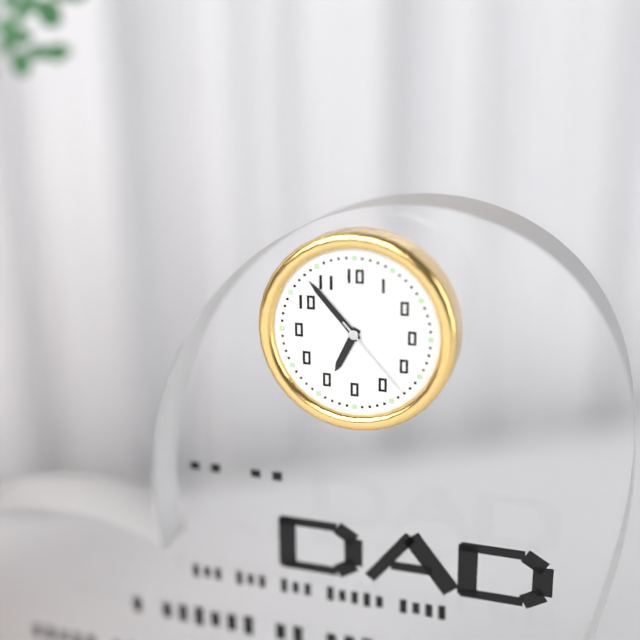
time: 6:53:23
